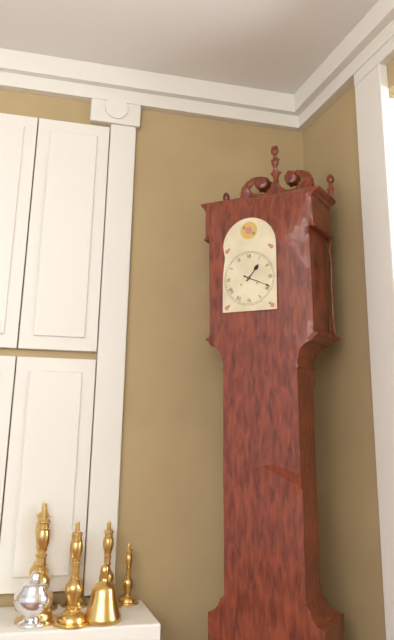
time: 1:19
